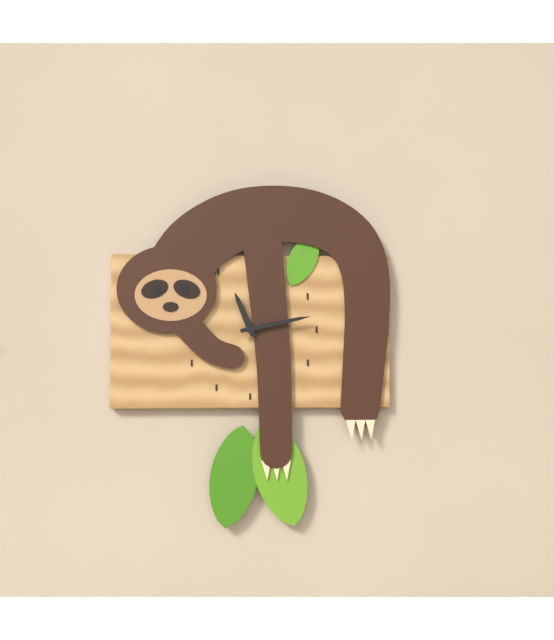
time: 11:13
